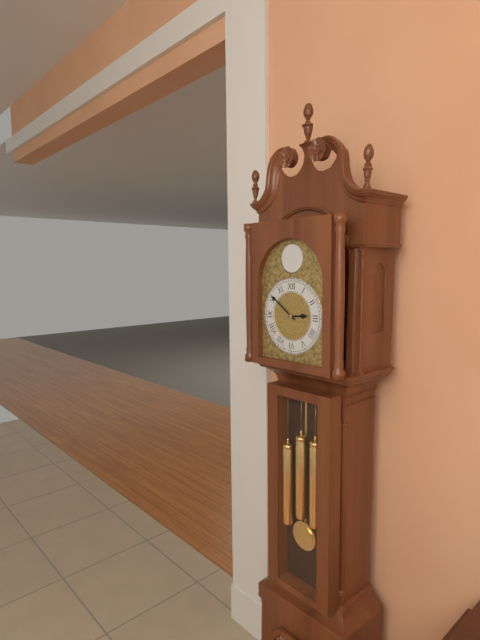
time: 2:51
